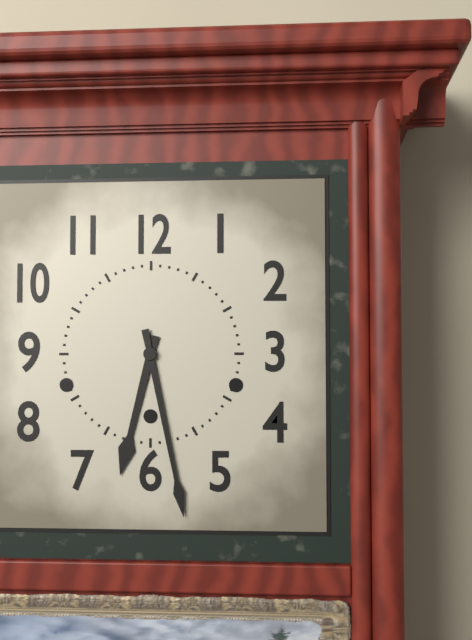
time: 6:28
